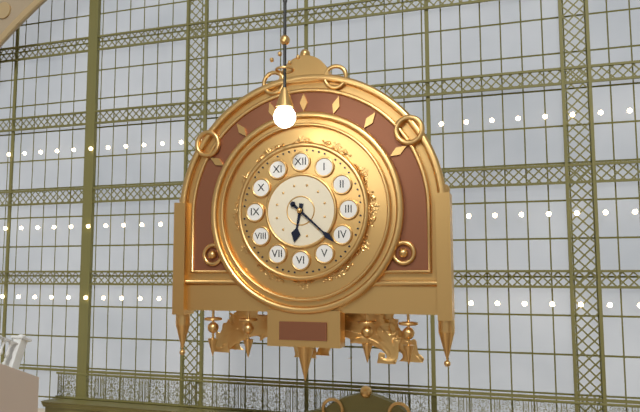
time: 6:22
